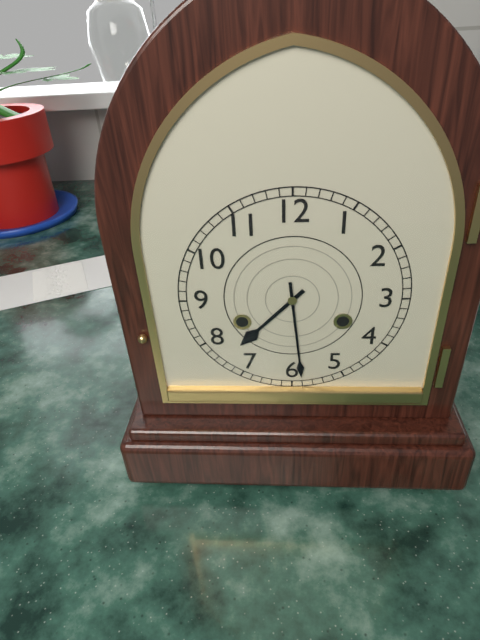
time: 7:29
